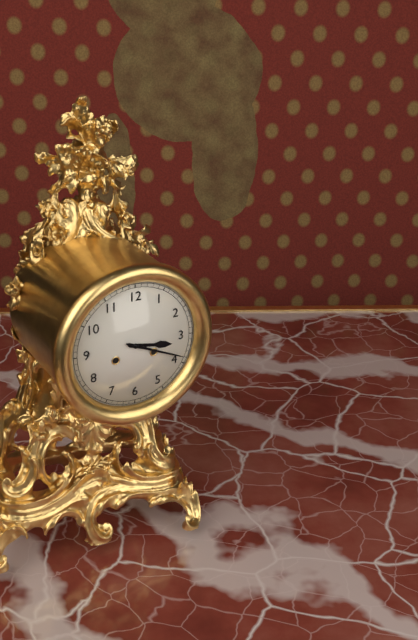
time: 3:19
